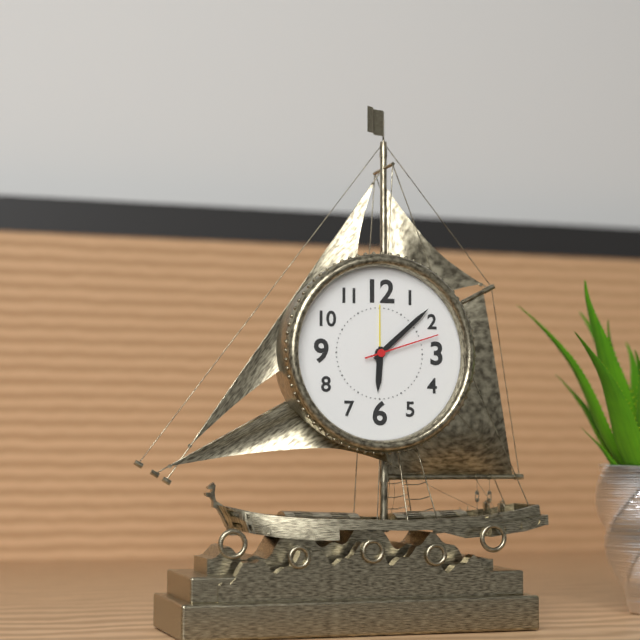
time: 6:08:12
